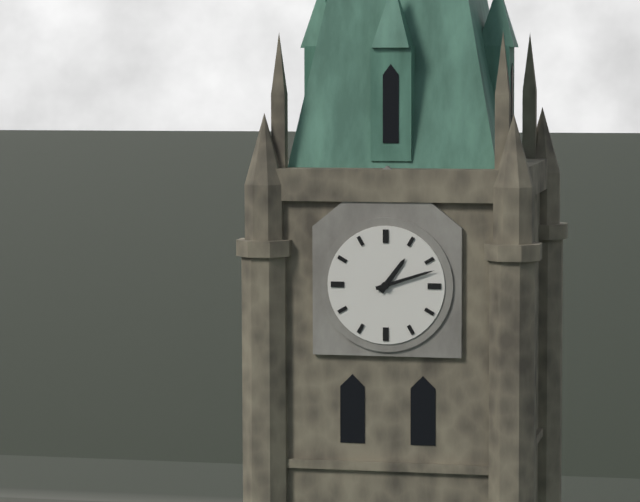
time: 1:12
